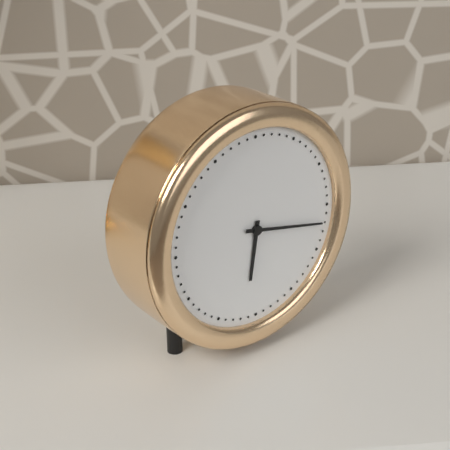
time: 6:17
